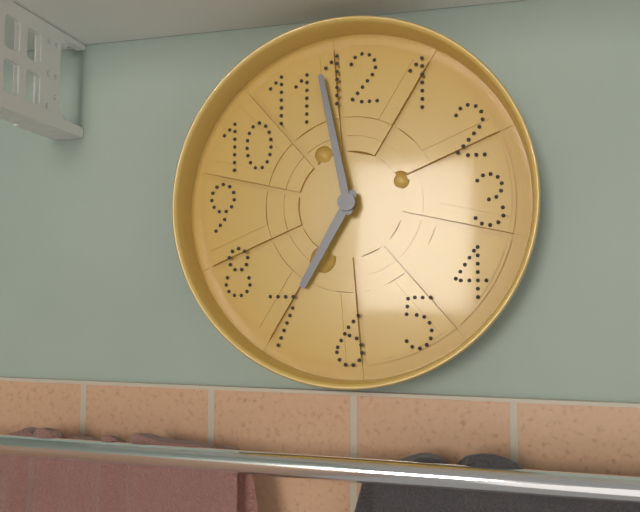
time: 6:58
